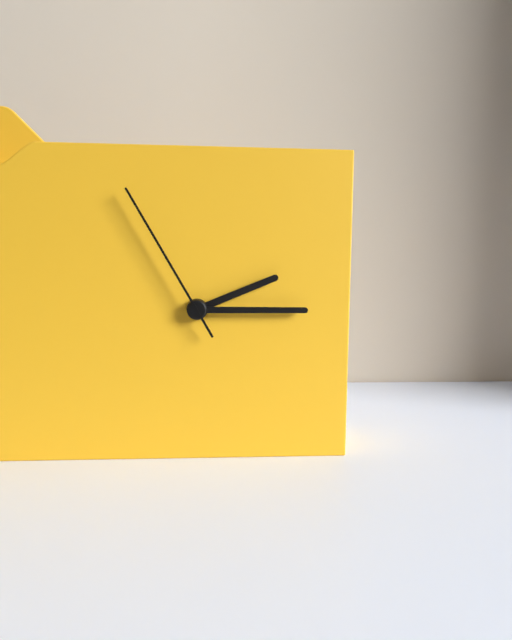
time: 2:15:55
